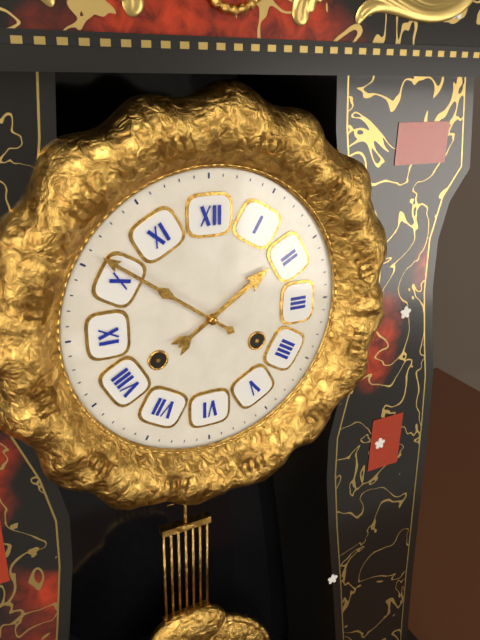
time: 1:51
